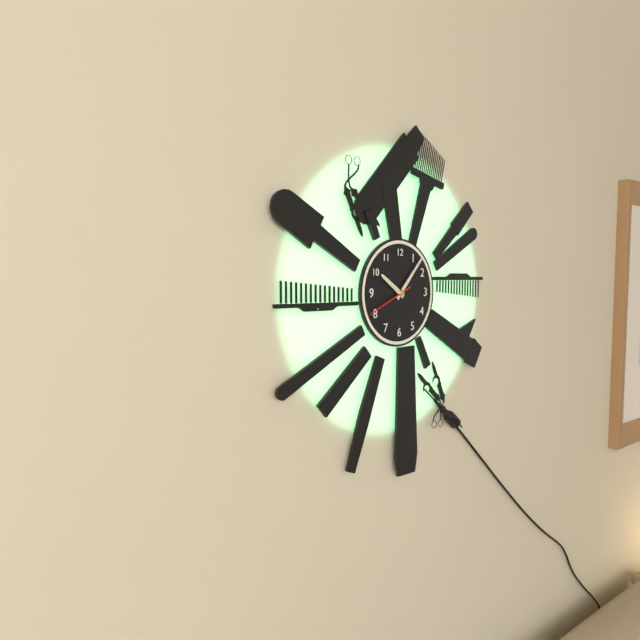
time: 10:07
